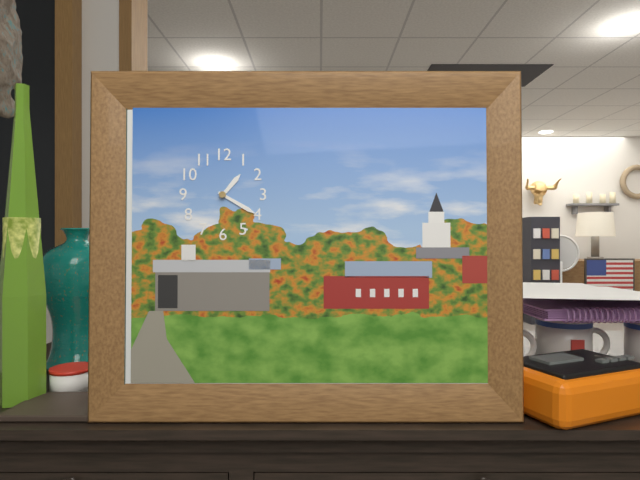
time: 1:20
